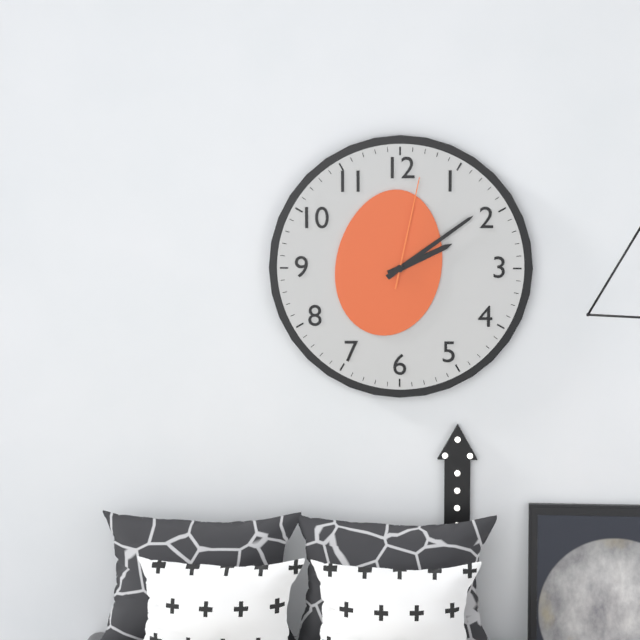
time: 2:09:02
